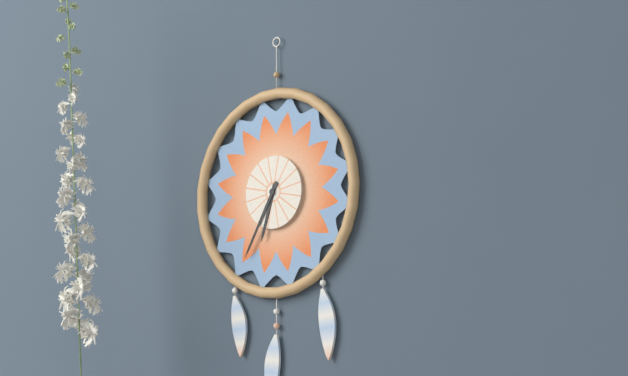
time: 6:35
